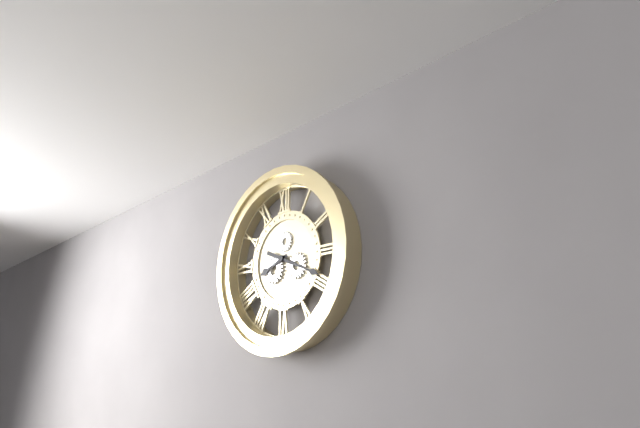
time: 8:19
